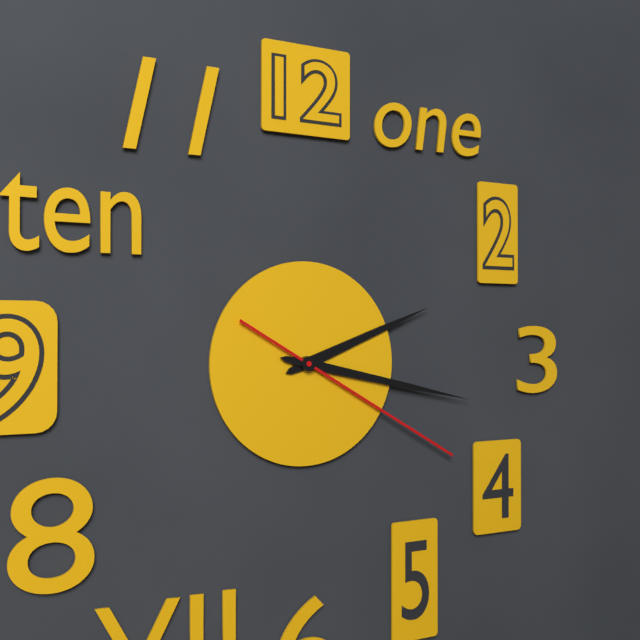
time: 2:17:20
